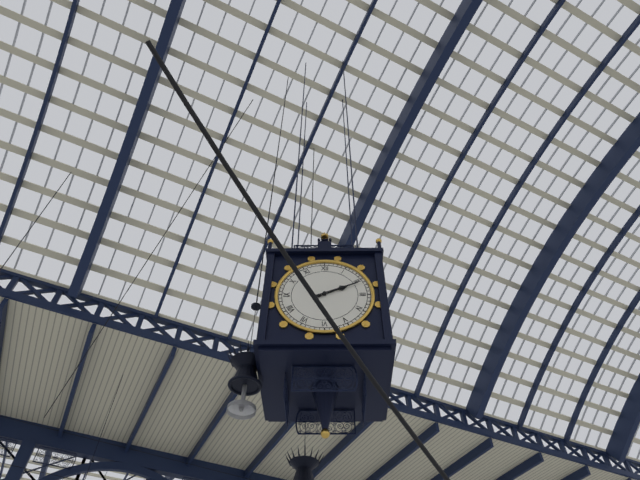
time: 2:11
